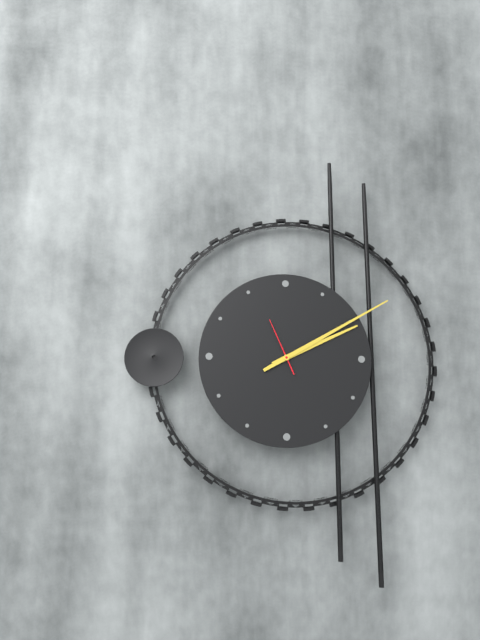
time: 2:10:56
